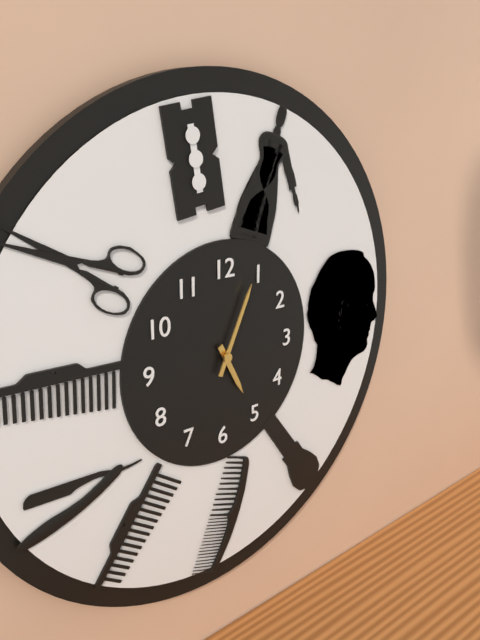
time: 5:04
